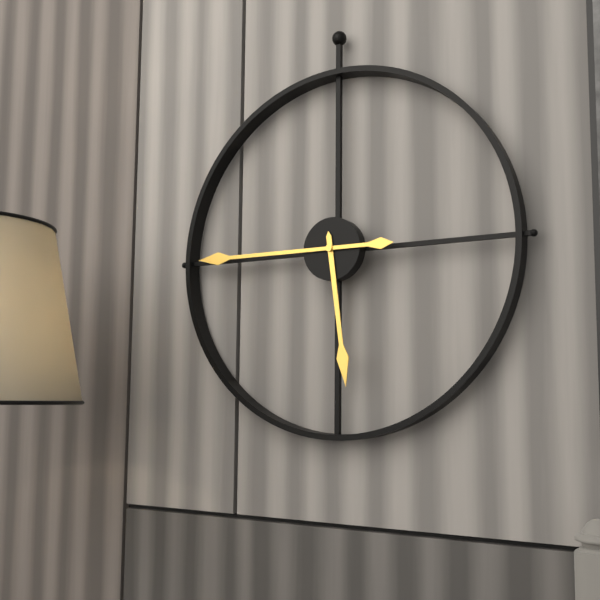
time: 5:45
